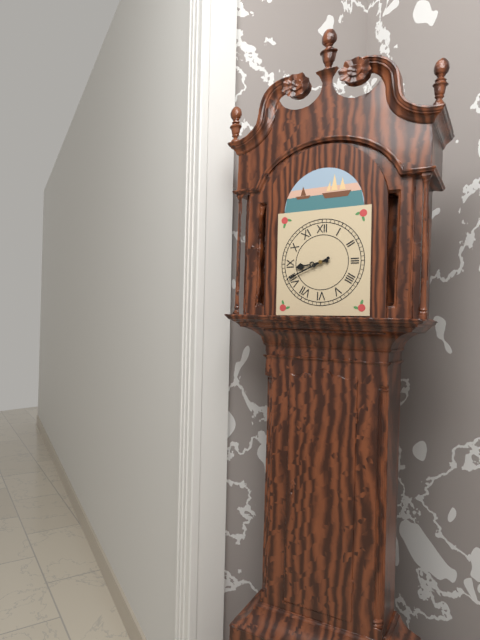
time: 8:41
